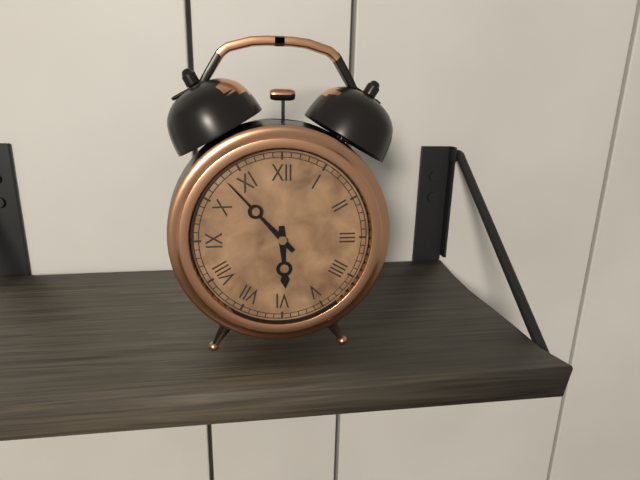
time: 5:53
